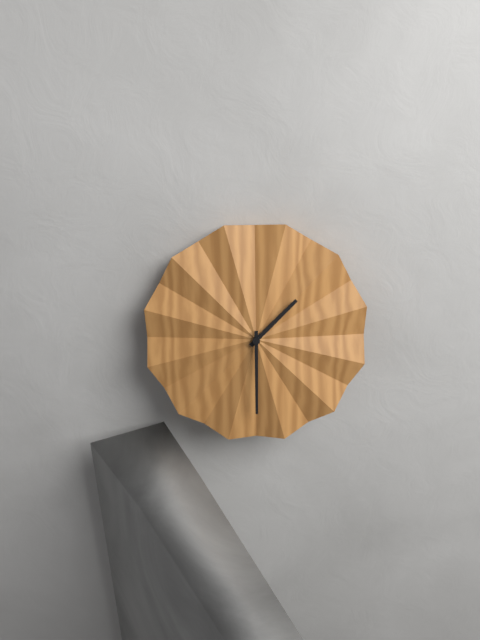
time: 1:30
